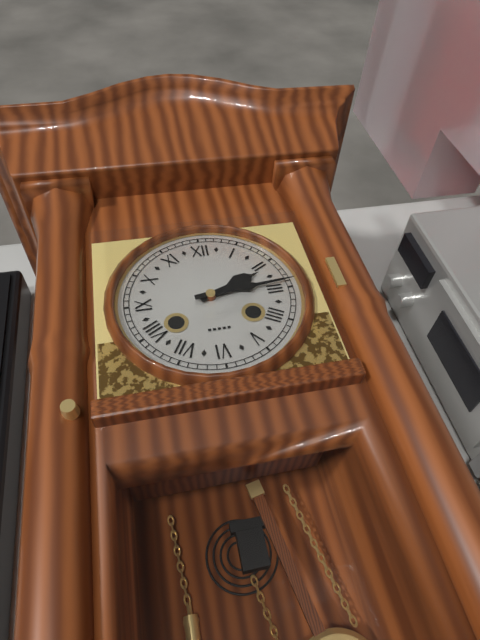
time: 2:14
